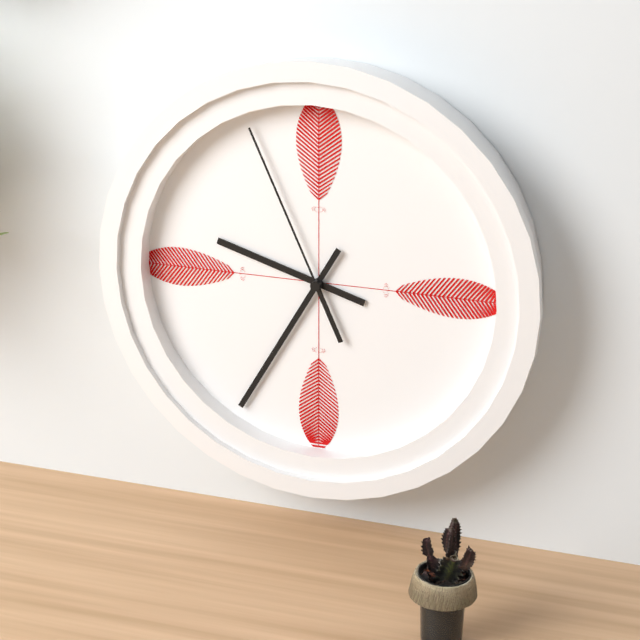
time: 9:35:56
